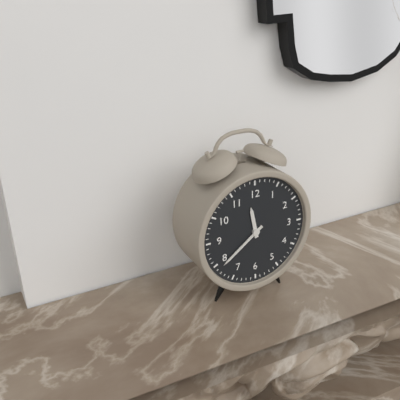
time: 11:39
